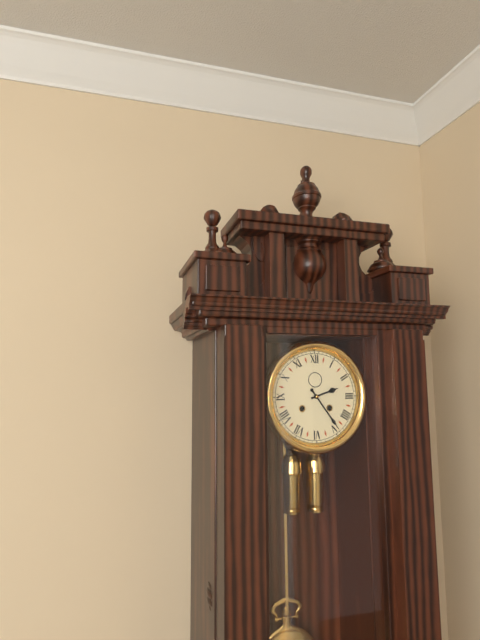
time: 2:24
